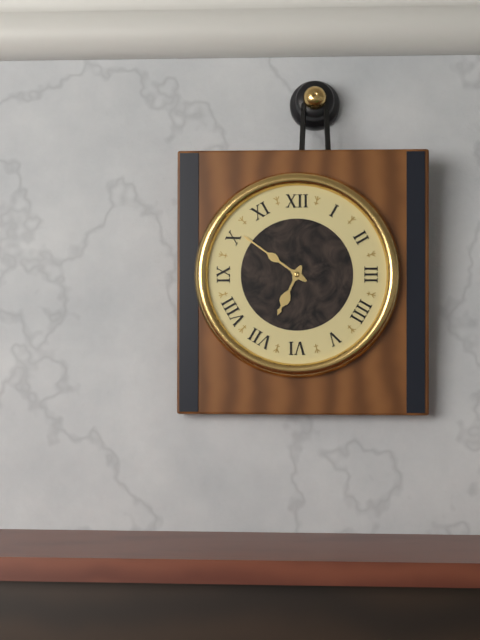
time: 6:51
